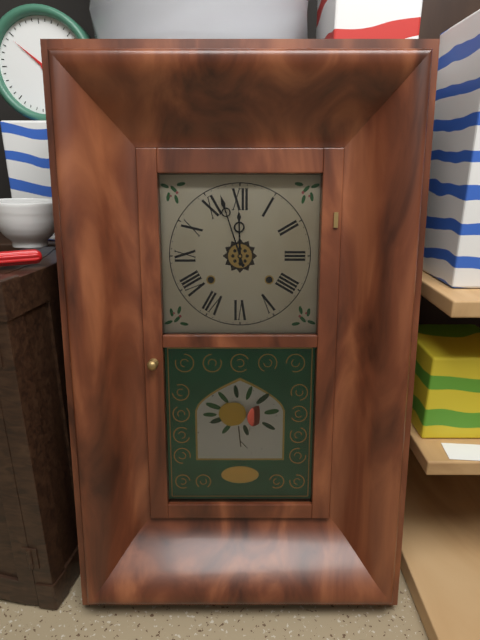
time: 11:57
